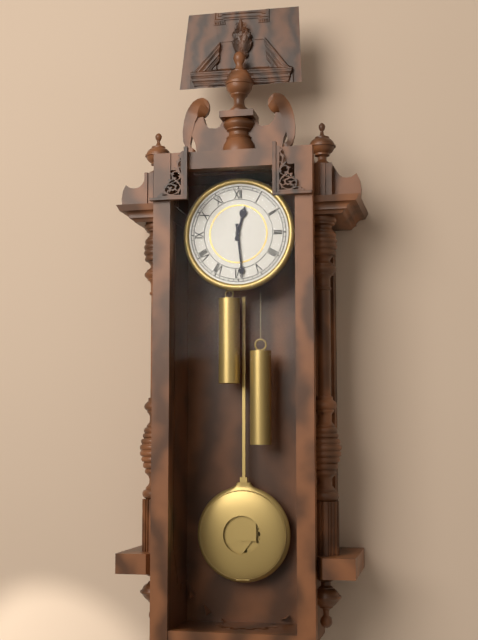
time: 12:29
